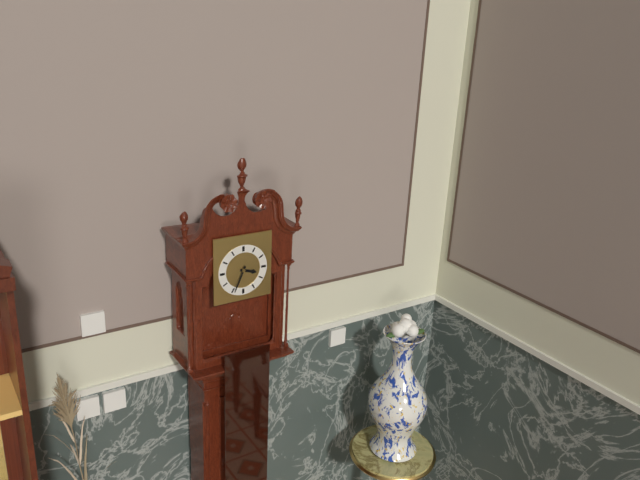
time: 3:34
